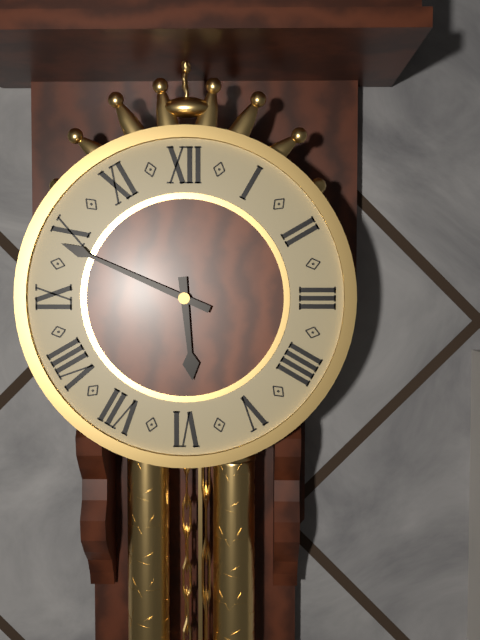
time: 5:49
